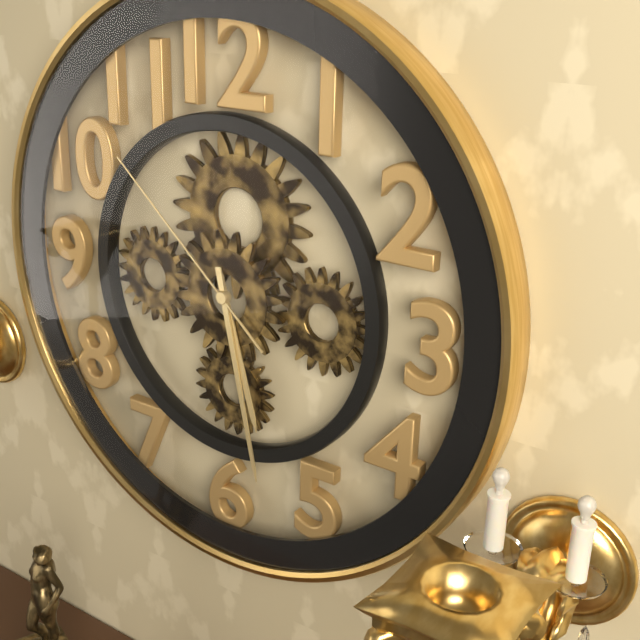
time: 5:28:52
